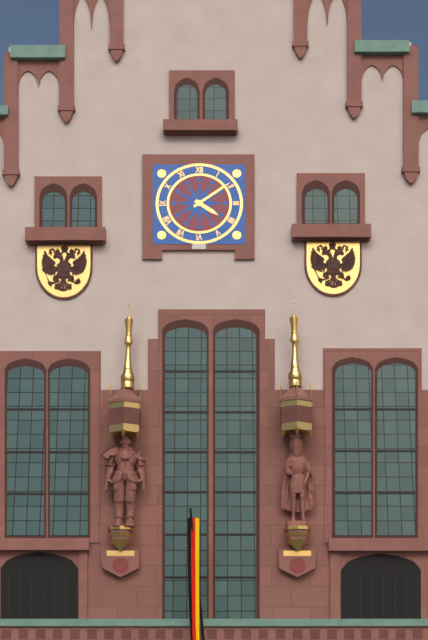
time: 4:09
